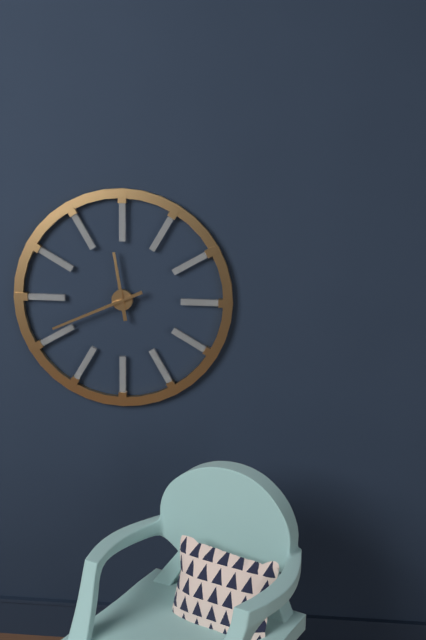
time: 11:41
